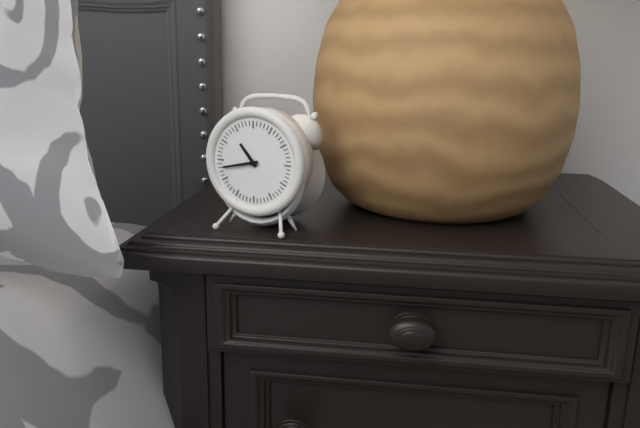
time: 10:43
